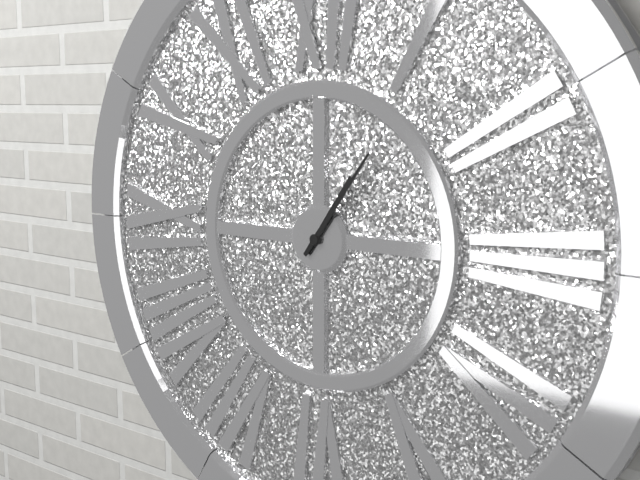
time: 1:06
